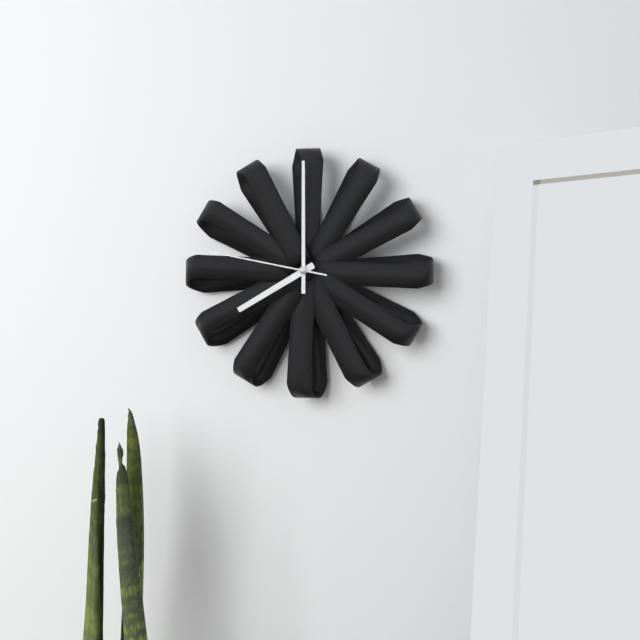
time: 8:00:47
